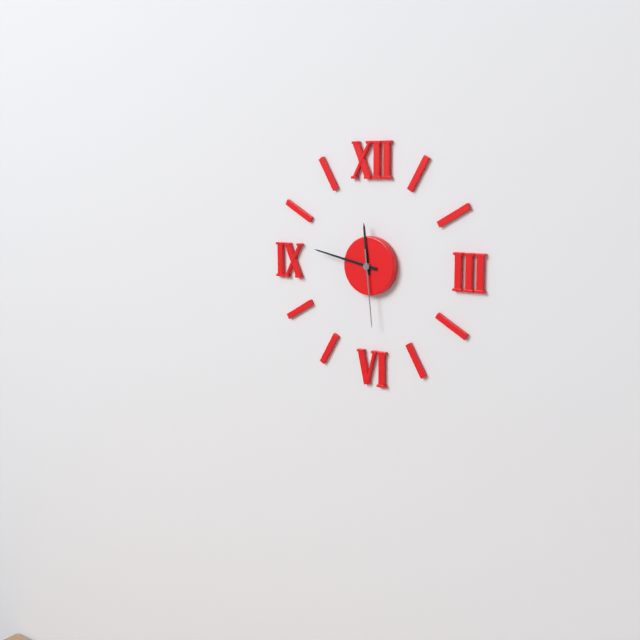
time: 11:47:29
